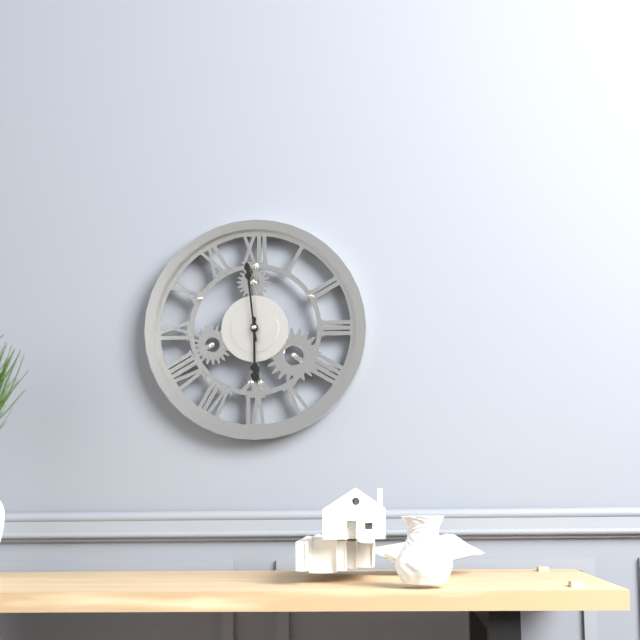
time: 5:59
